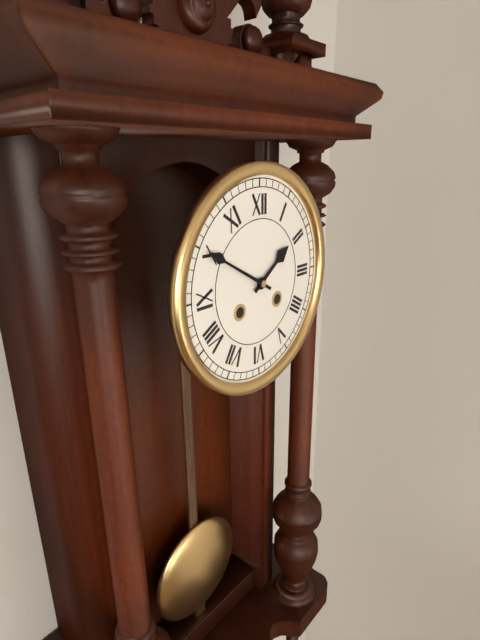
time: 1:50
